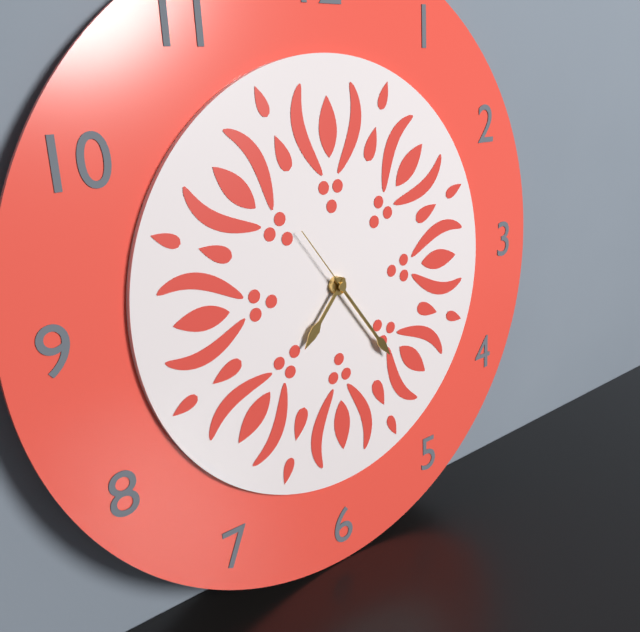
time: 7:24:54
